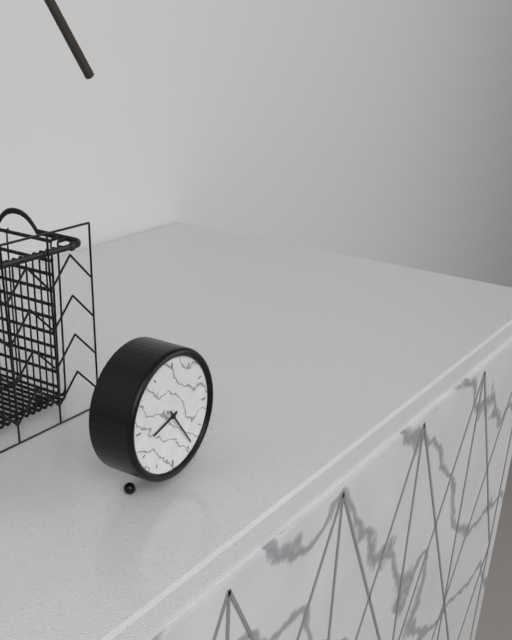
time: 8:24
